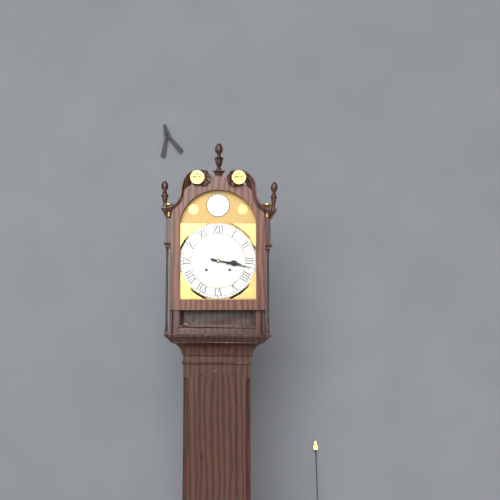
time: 3:17
